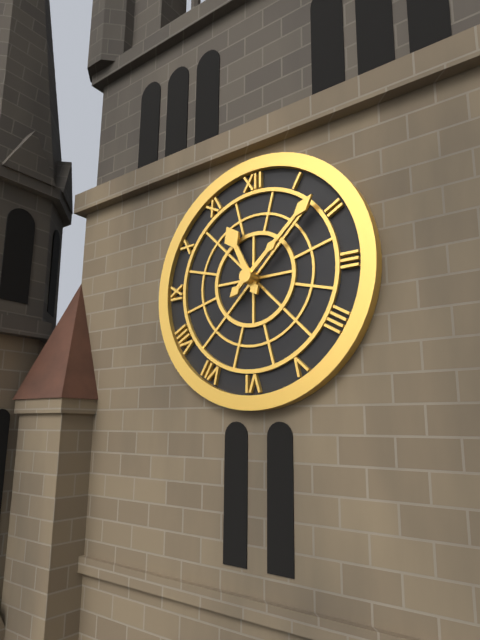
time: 11:08
